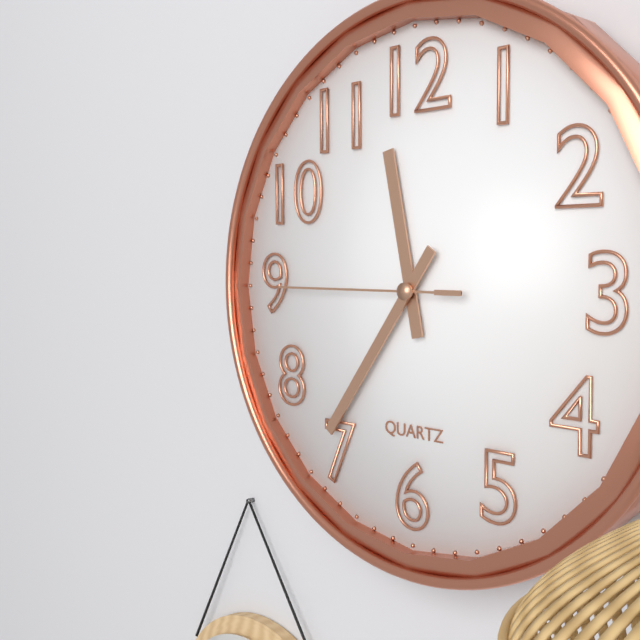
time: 11:36:45
